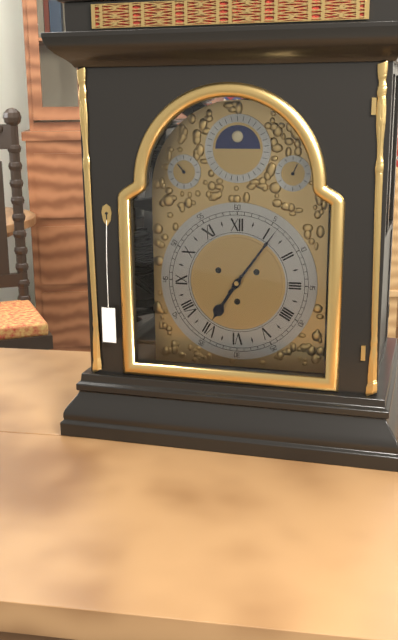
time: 7:06
